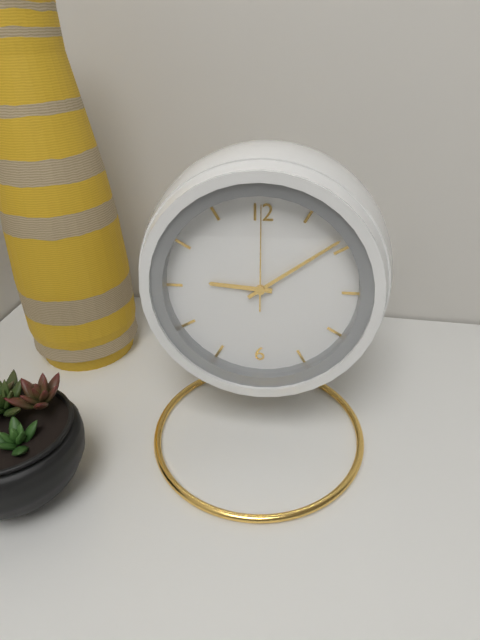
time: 9:09:00
